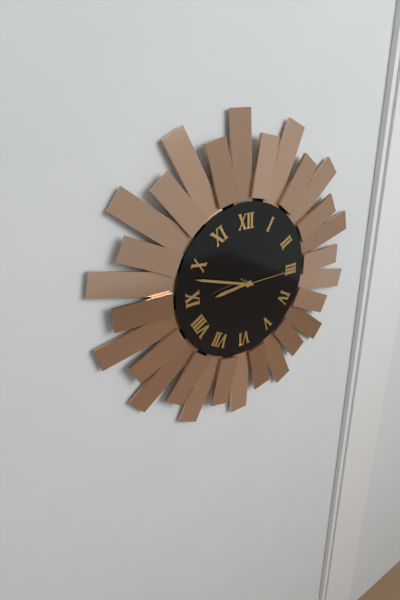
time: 8:48:15
